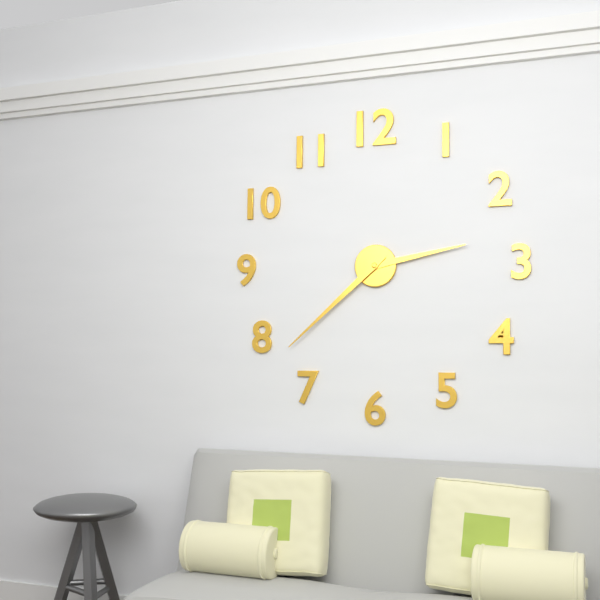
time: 2:38
